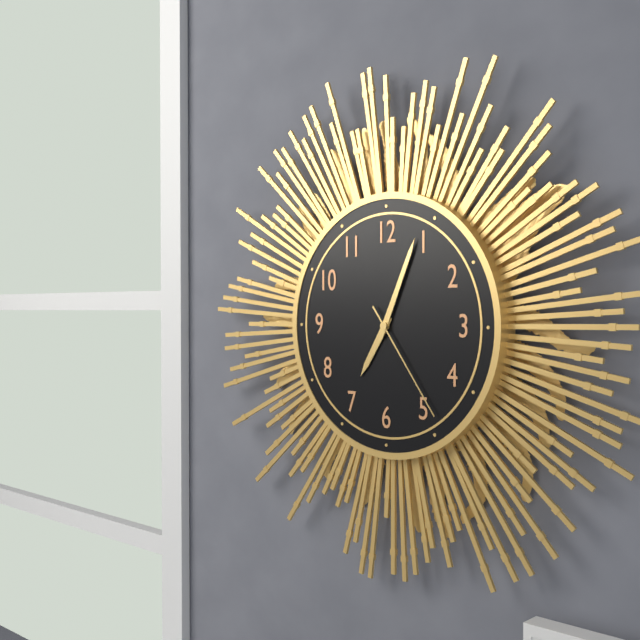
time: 7:04:24
